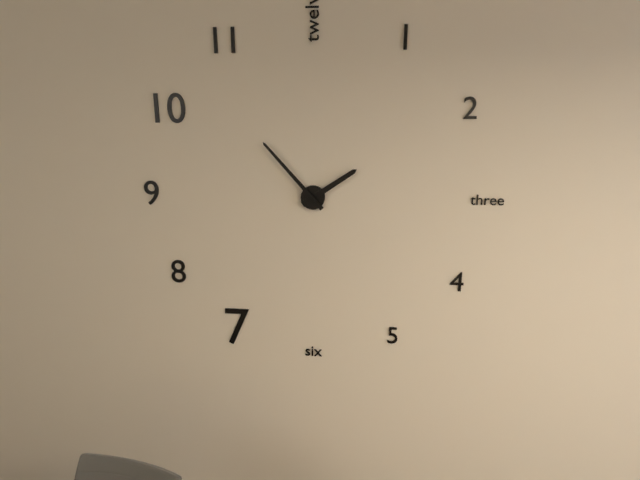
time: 1:53
